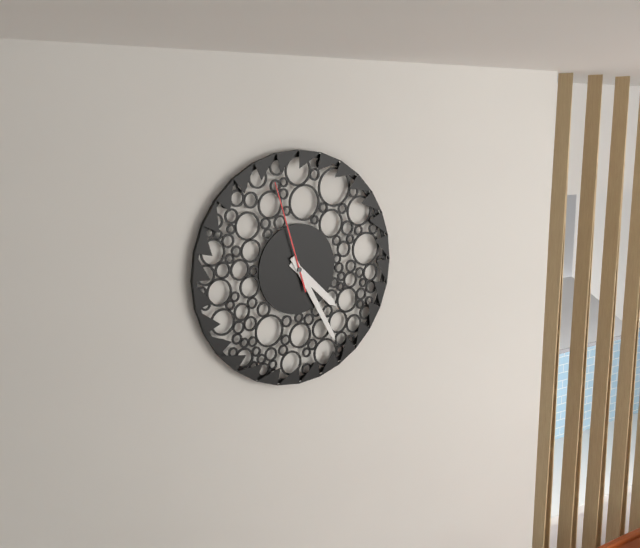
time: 4:25:57
